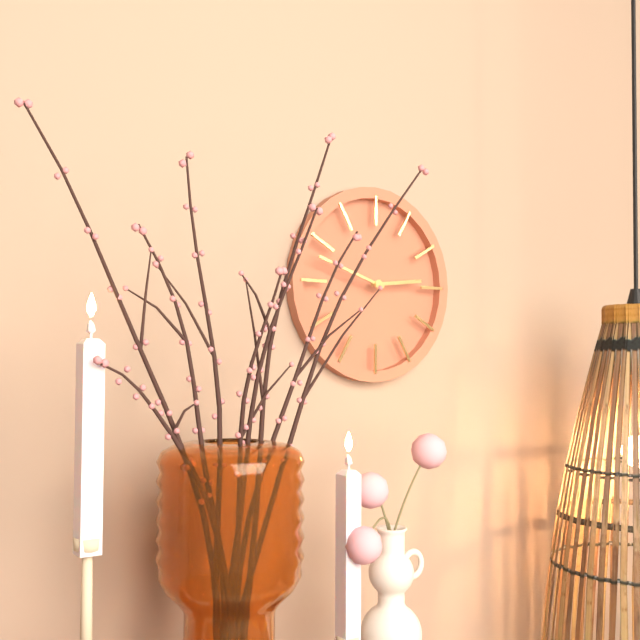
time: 2:48
